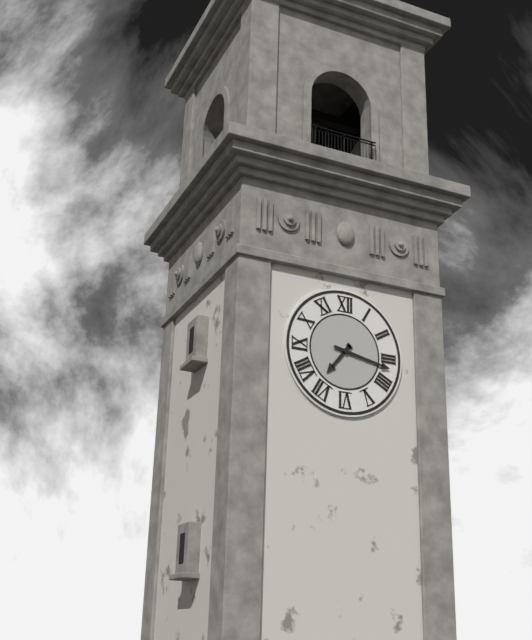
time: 7:17
